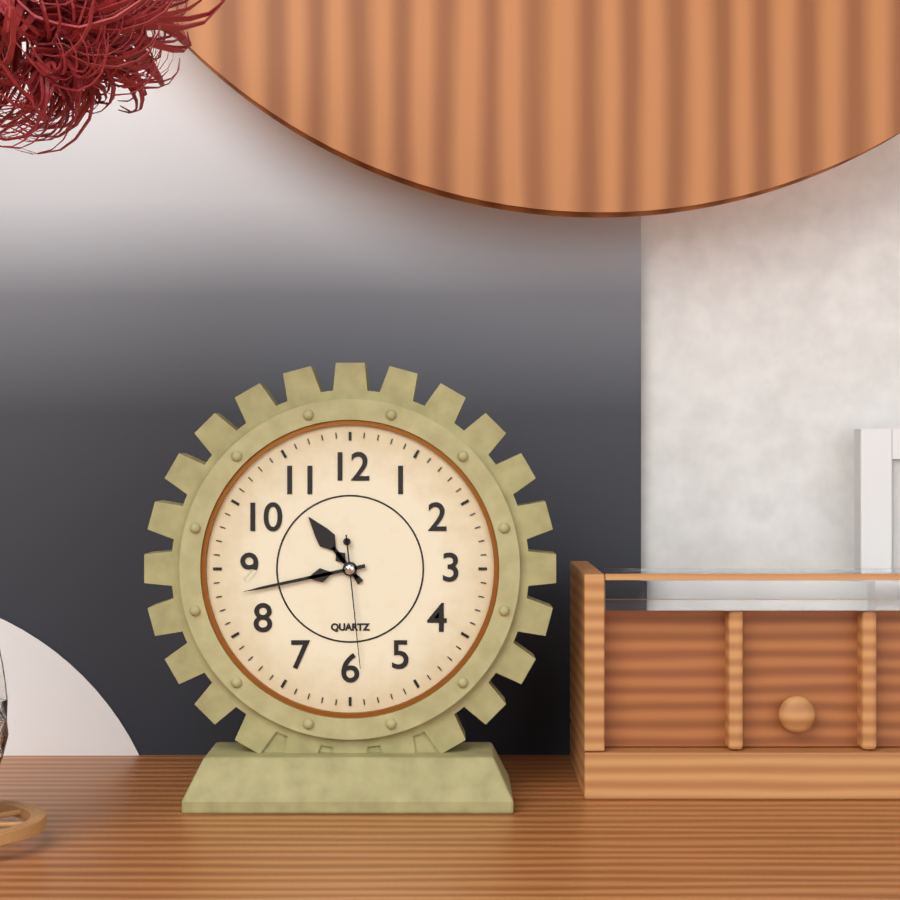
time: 10:43:29
